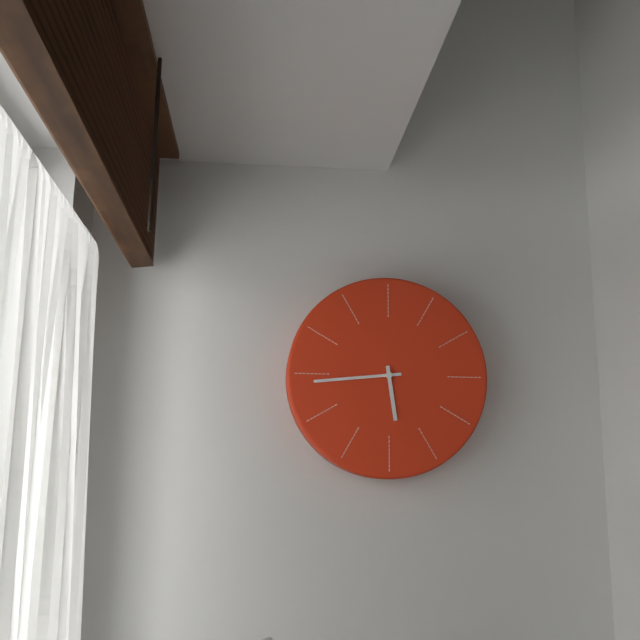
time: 5:44
